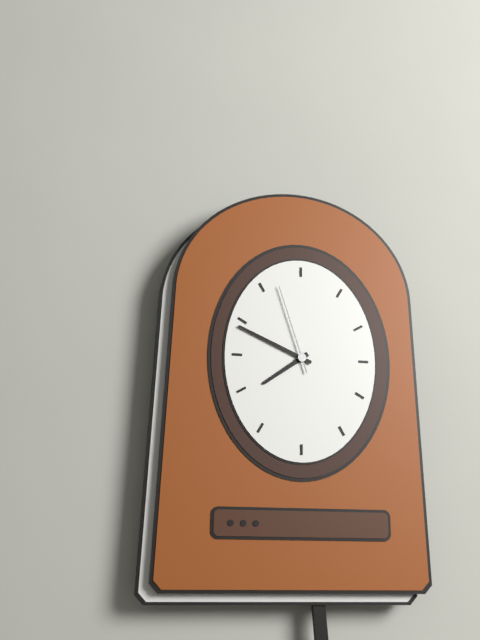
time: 7:49:57
